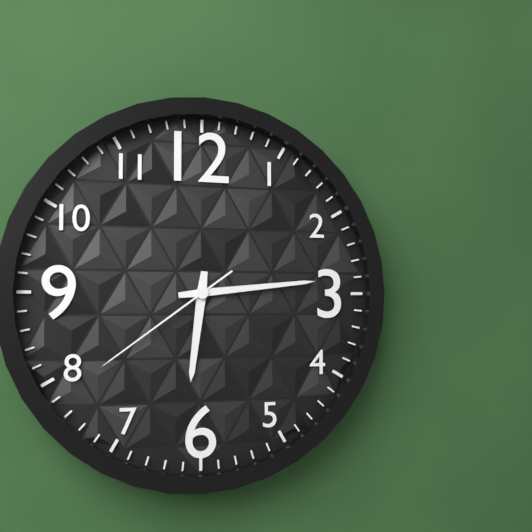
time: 6:14:39
